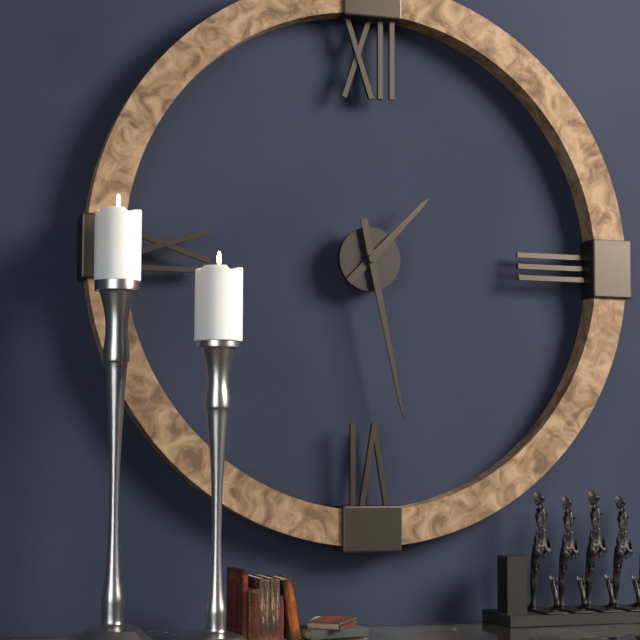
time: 1:28
